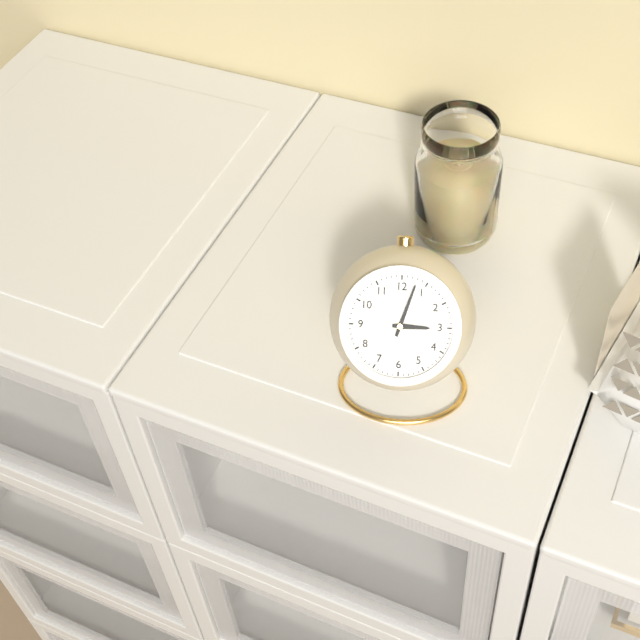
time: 3:03
